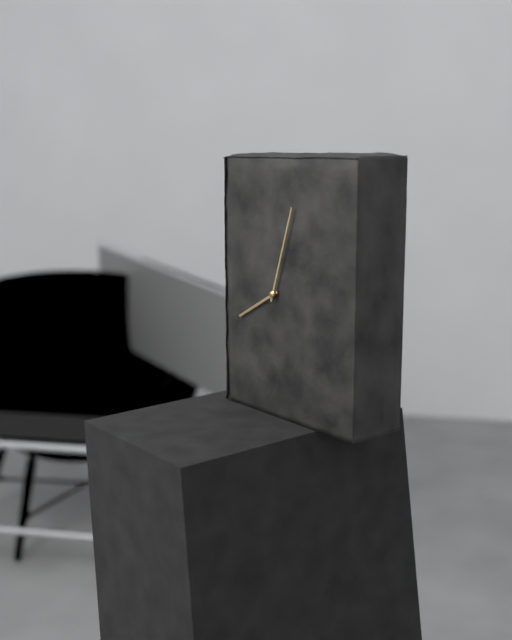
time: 8:03
